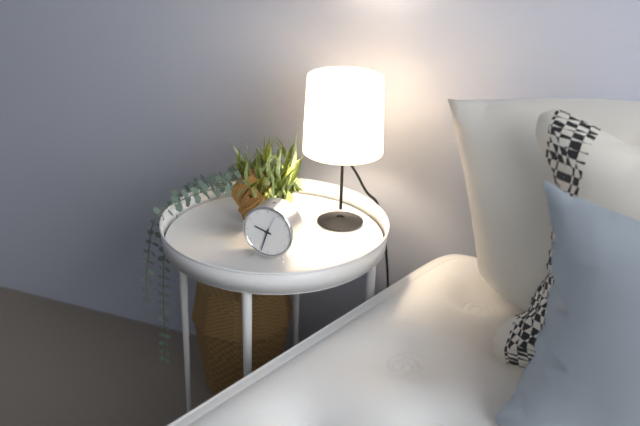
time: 9:33
